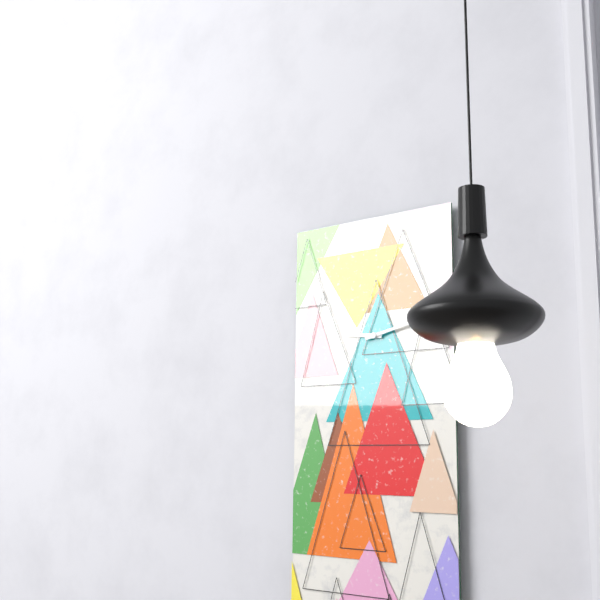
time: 9:13
